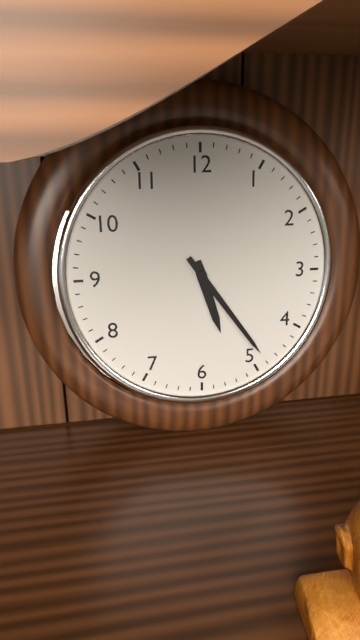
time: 5:24
